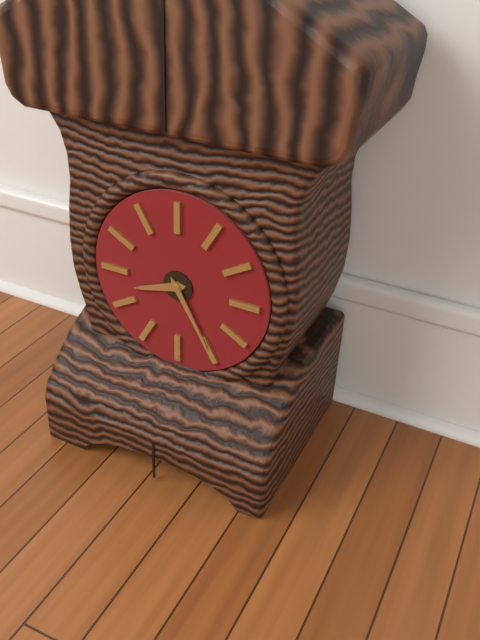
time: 8:25
